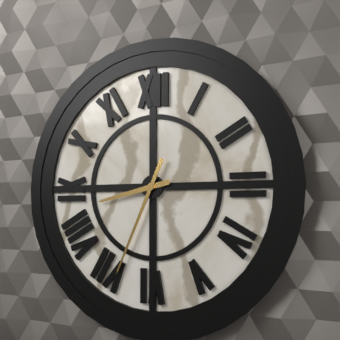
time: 8:34
